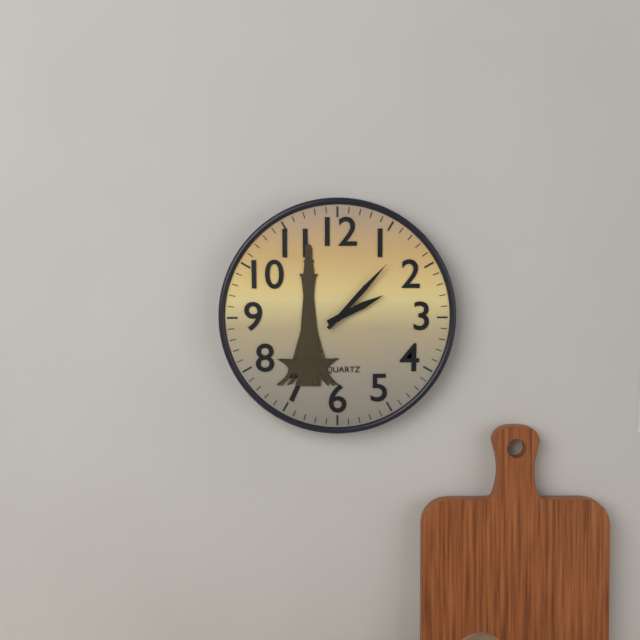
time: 2:07
